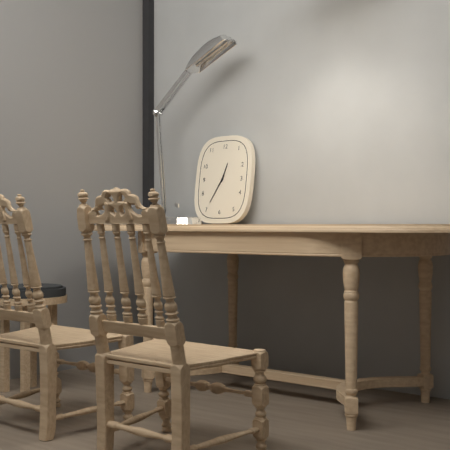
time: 12:35
